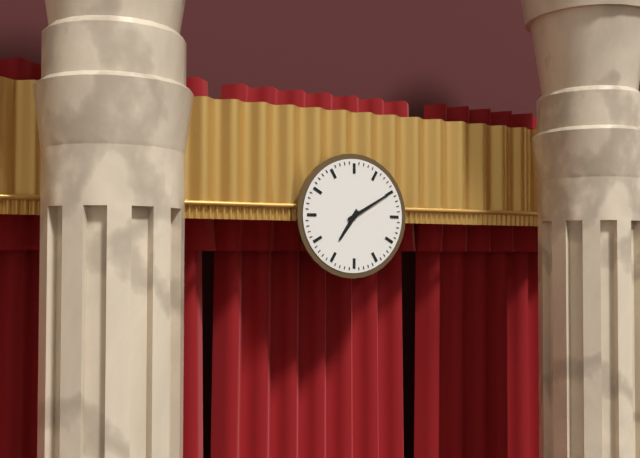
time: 7:10
